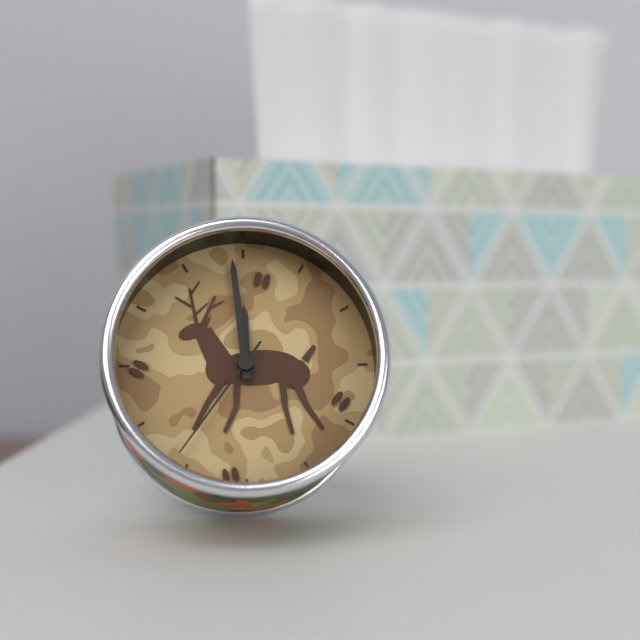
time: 11:59:36
